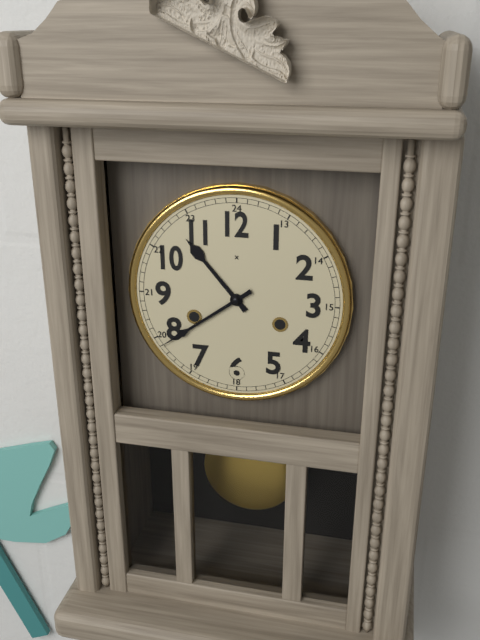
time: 10:39
